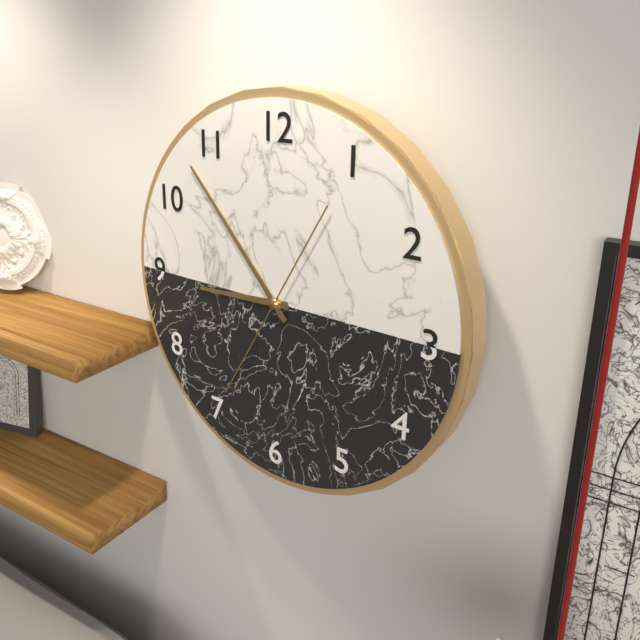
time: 8:53:35
